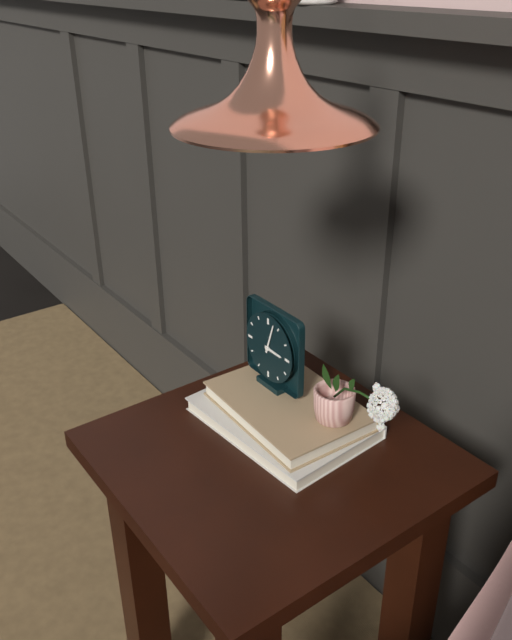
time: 3:03
